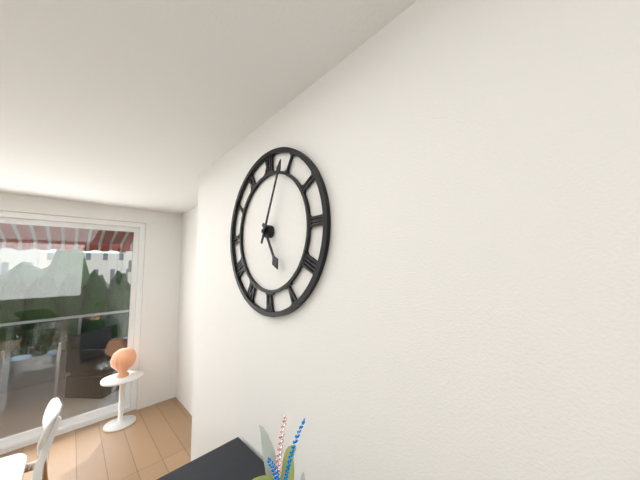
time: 5:04
